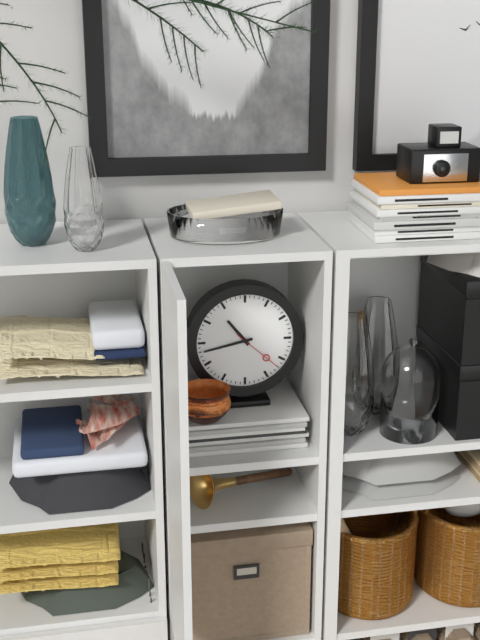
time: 10:43:22
